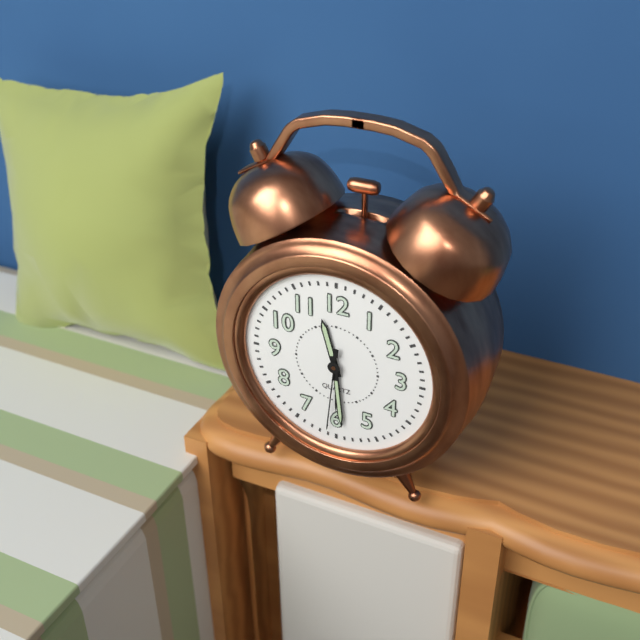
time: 11:29:31
